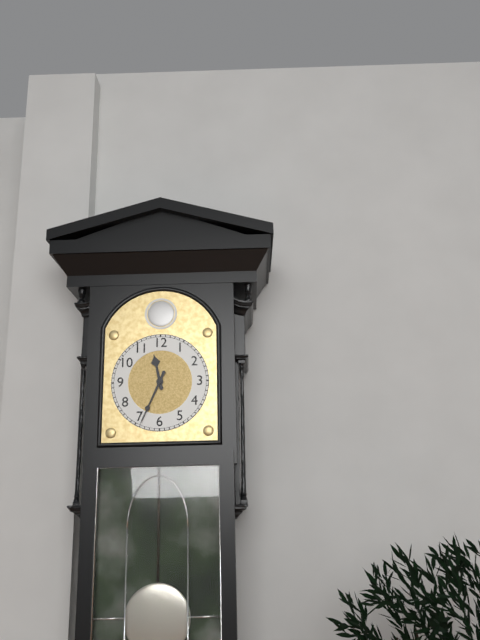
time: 11:34
